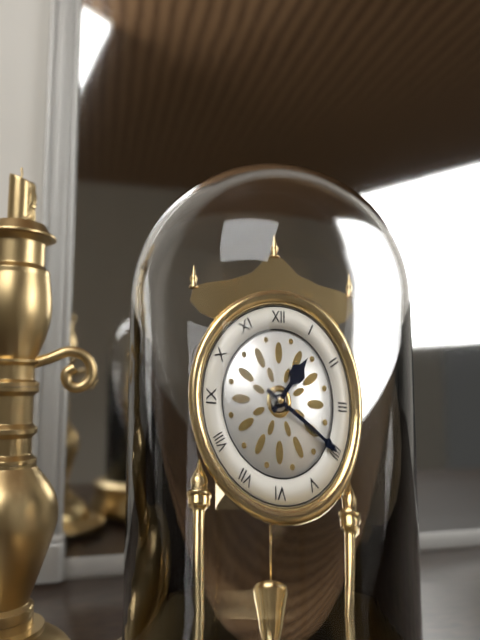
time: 1:20
